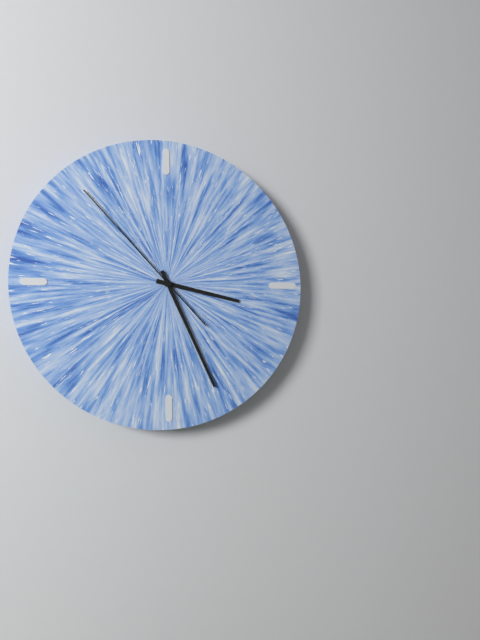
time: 3:26:53
